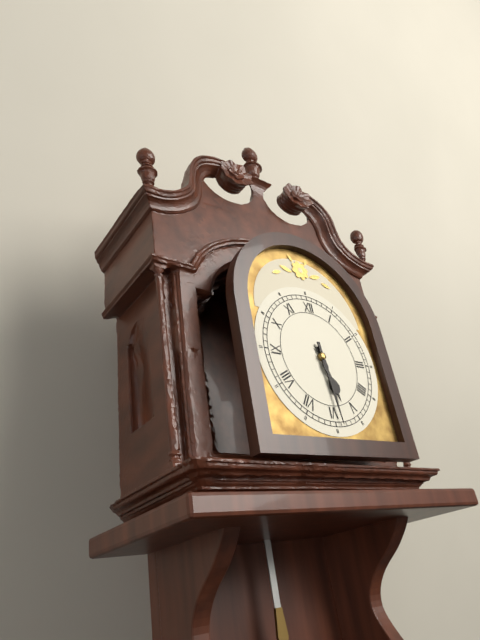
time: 5:29
